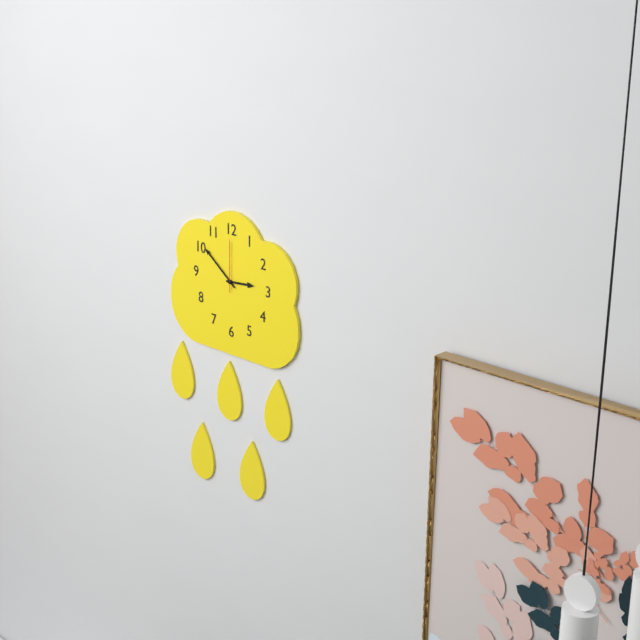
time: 2:51:00
